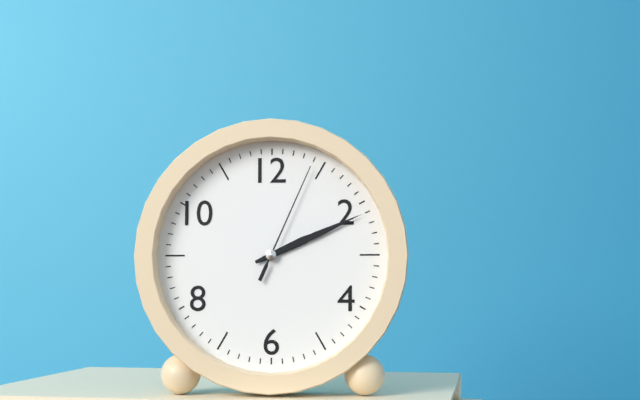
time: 2:11:04
